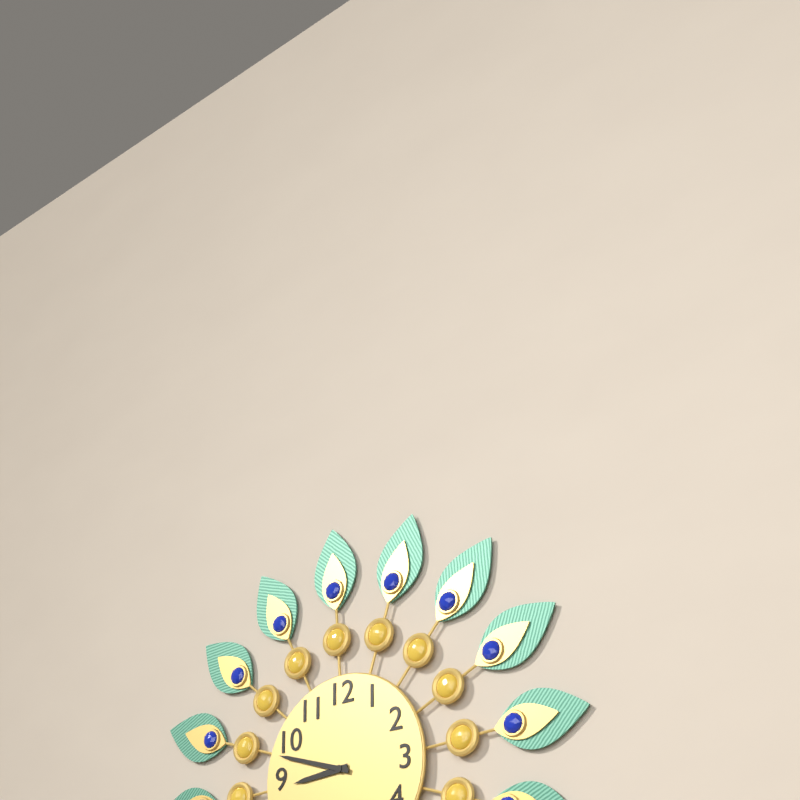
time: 8:48
